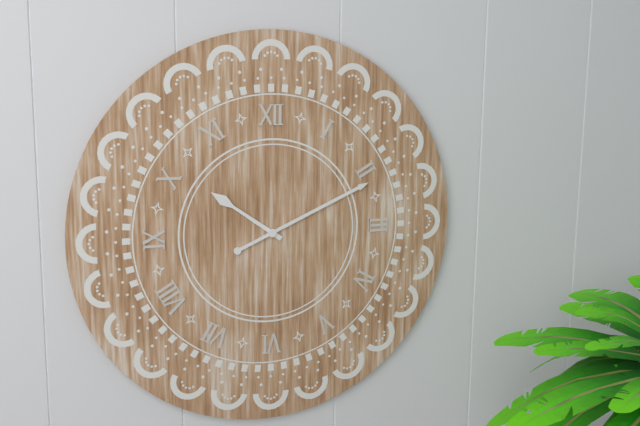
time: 10:11
